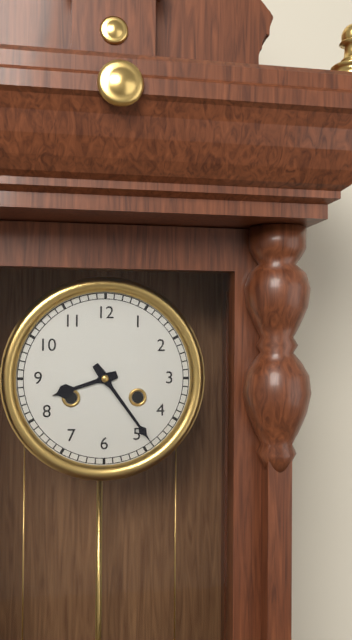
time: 8:24
